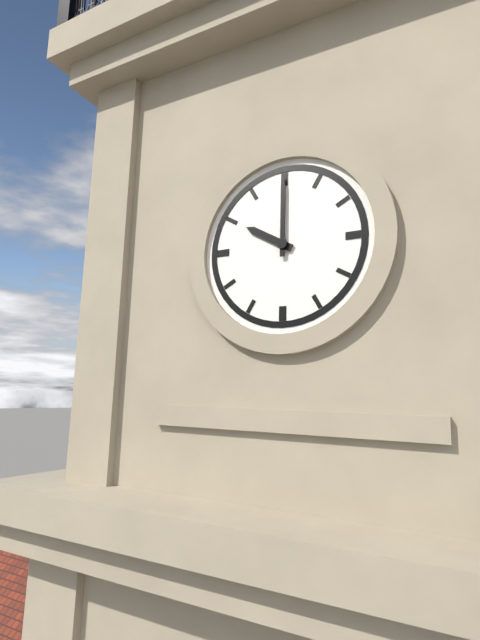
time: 10:00
